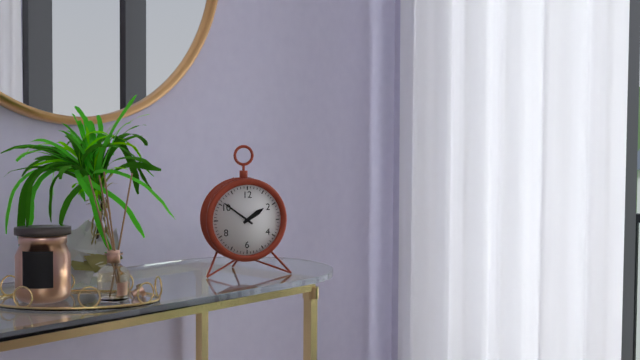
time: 1:51
